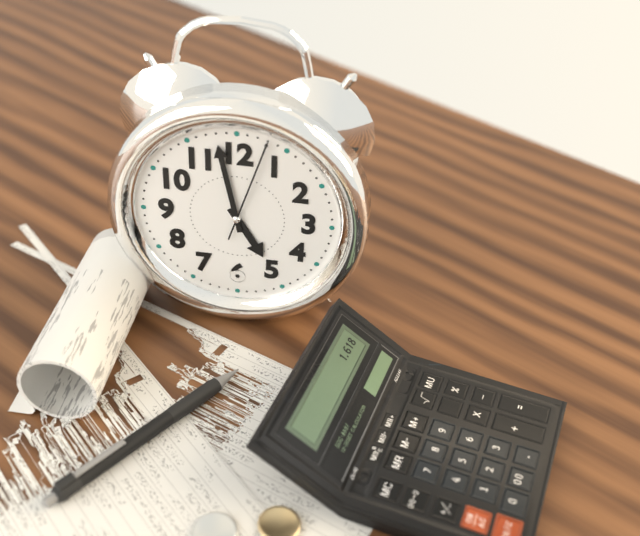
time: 4:58:03
